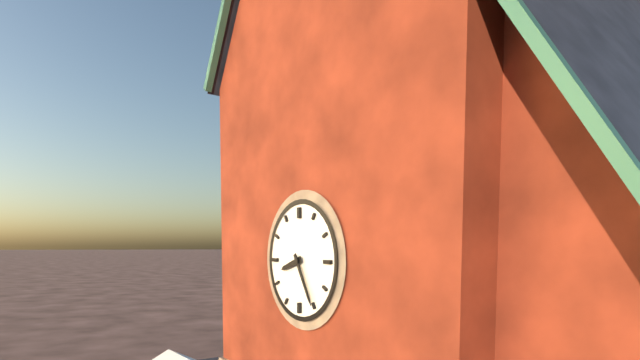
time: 8:25
